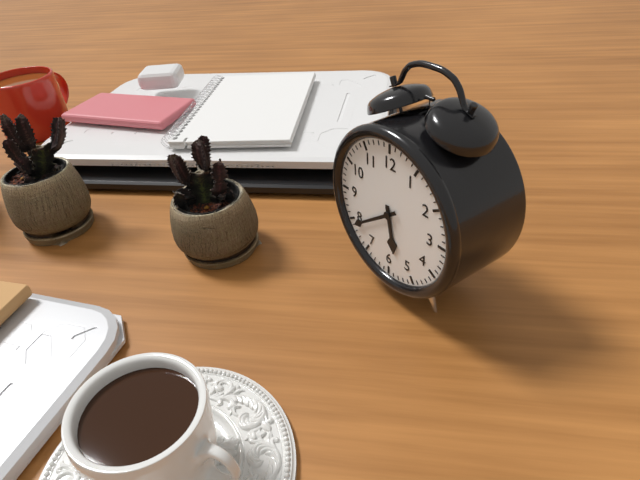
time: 5:39
